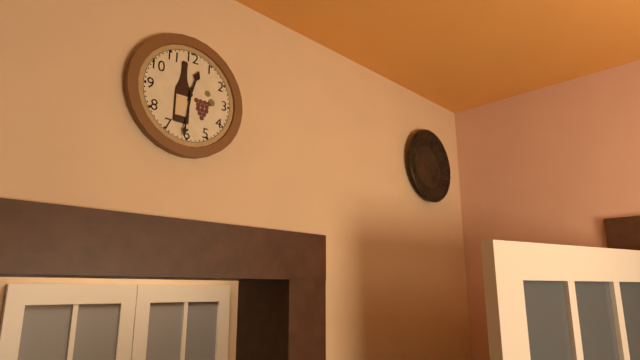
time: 12:31
